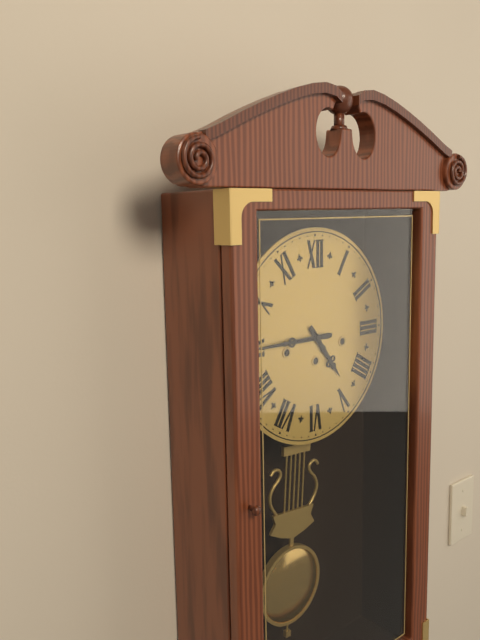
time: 4:45
